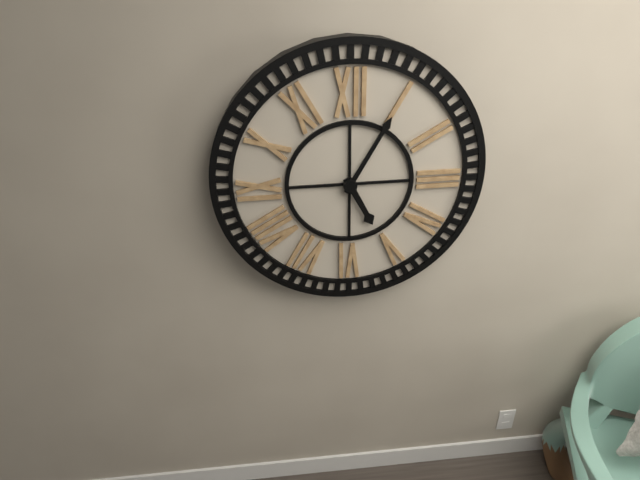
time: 5:05
